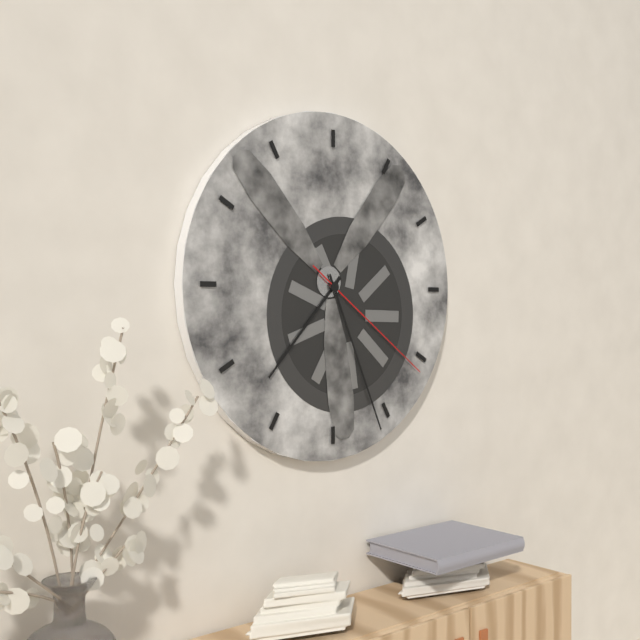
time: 7:26:21
